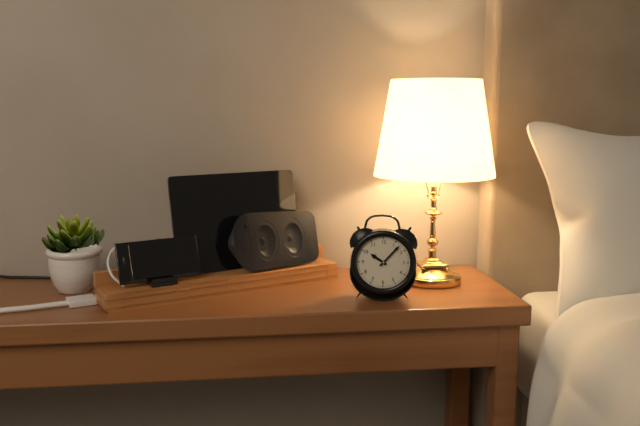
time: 10:07
